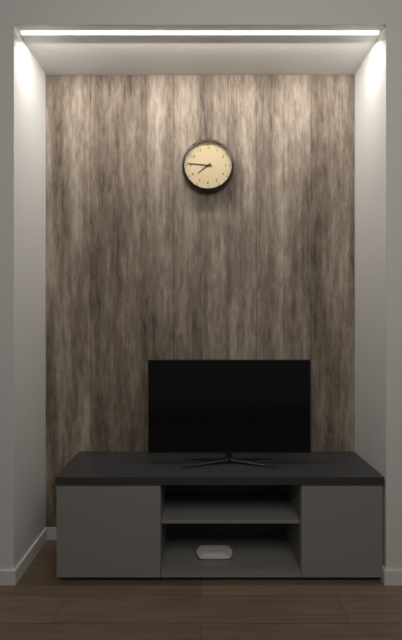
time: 7:46
